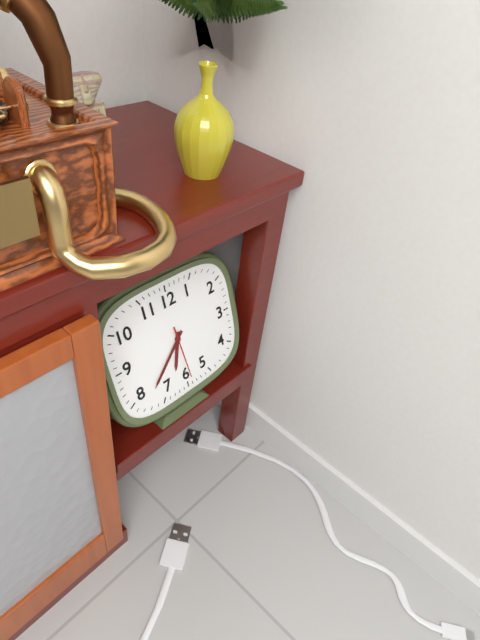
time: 6:38:29
